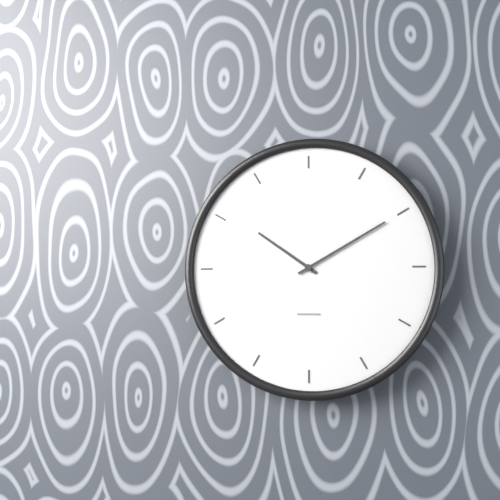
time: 10:10
